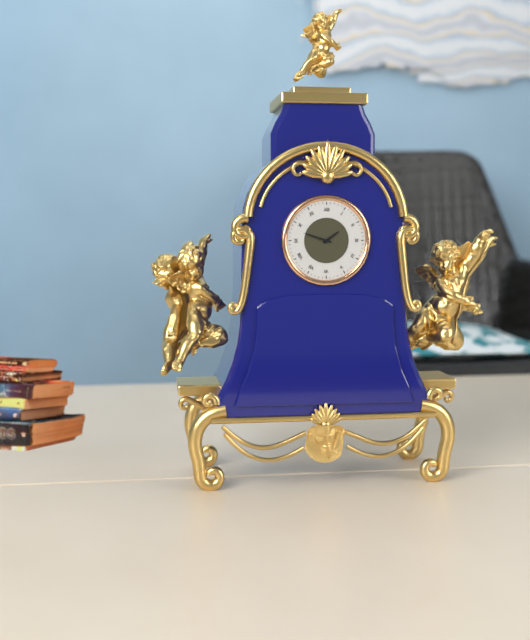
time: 1:48
